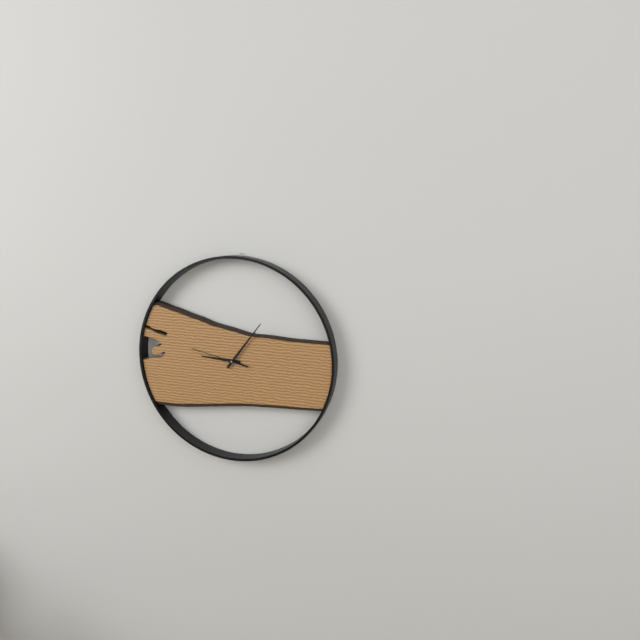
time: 9:06:47
